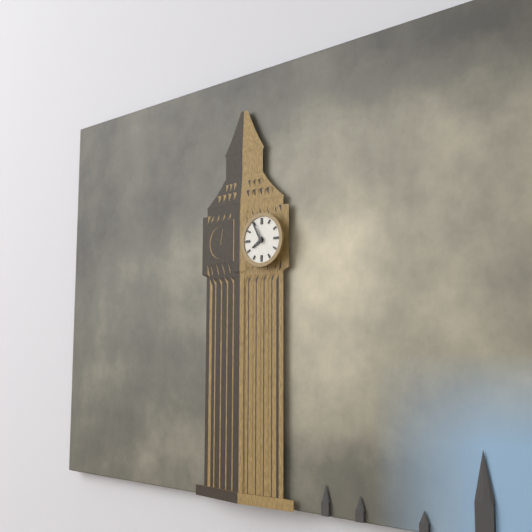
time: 7:55
